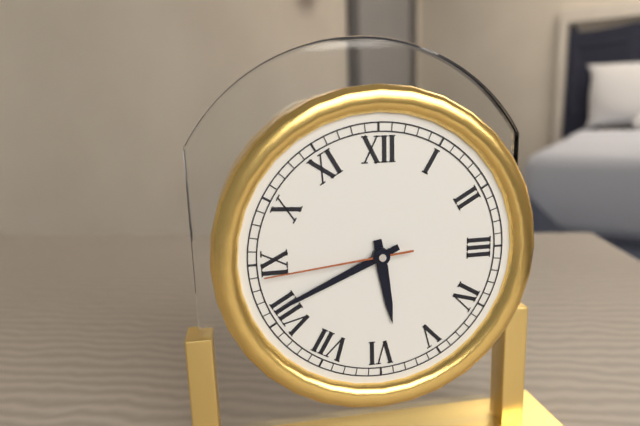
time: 5:41:44
